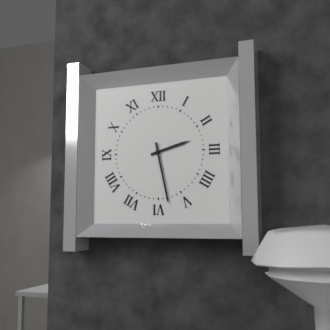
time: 2:28
